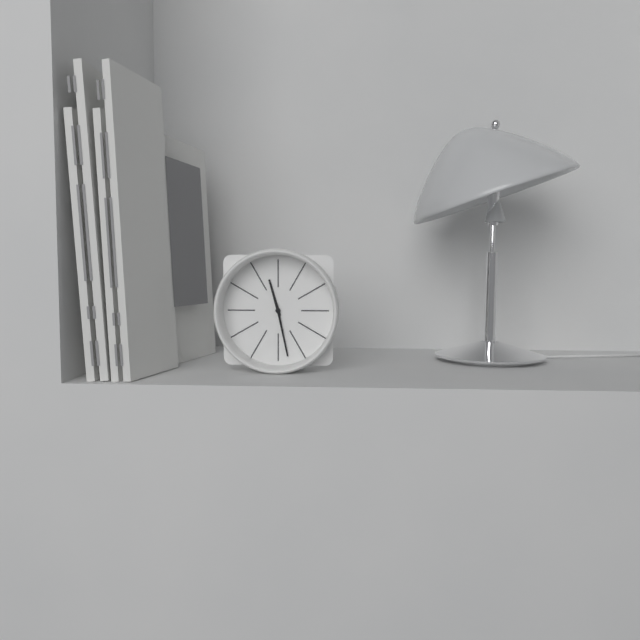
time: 11:28
